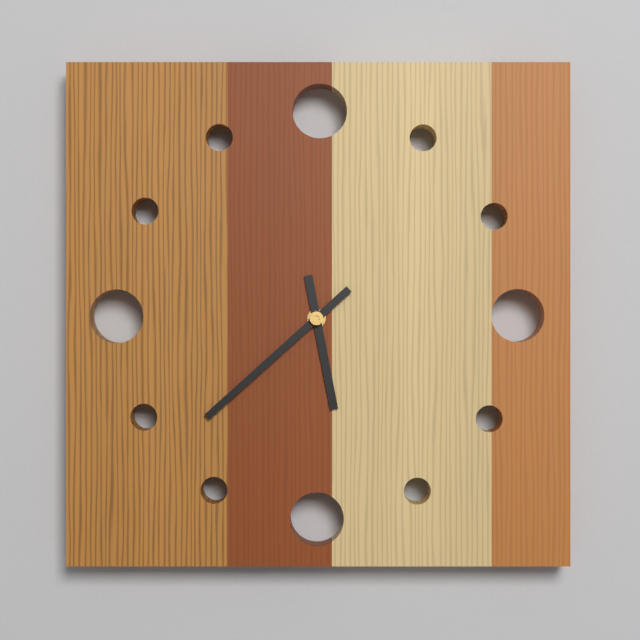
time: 5:38
